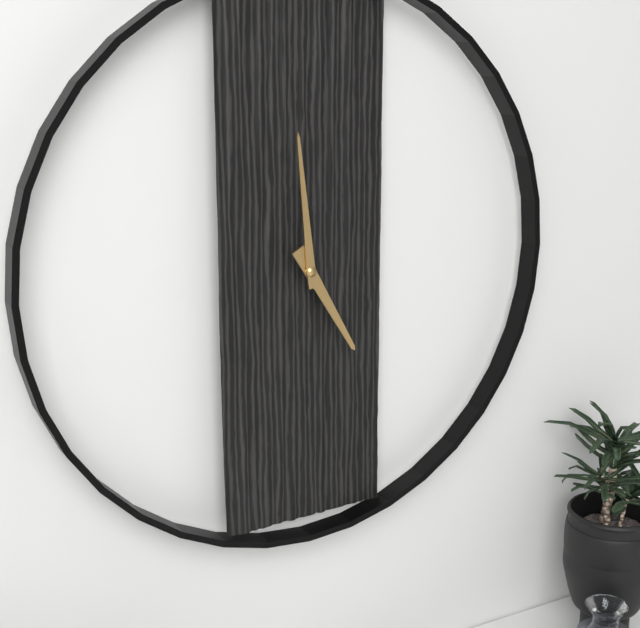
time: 4:59
